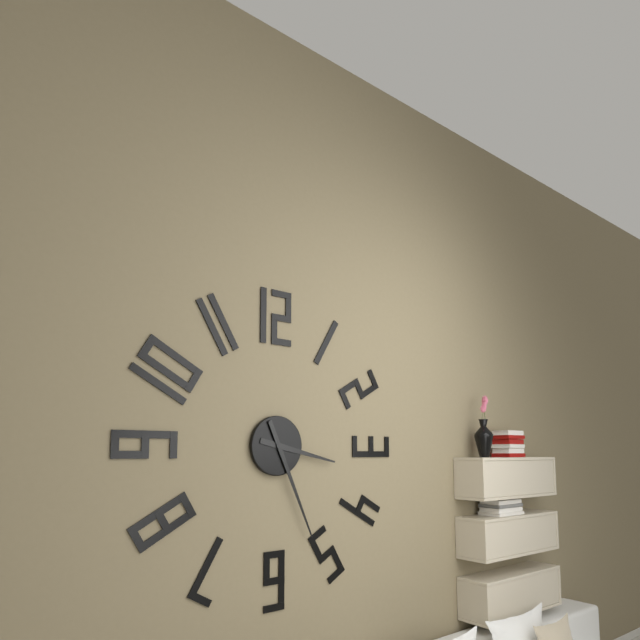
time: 3:26
